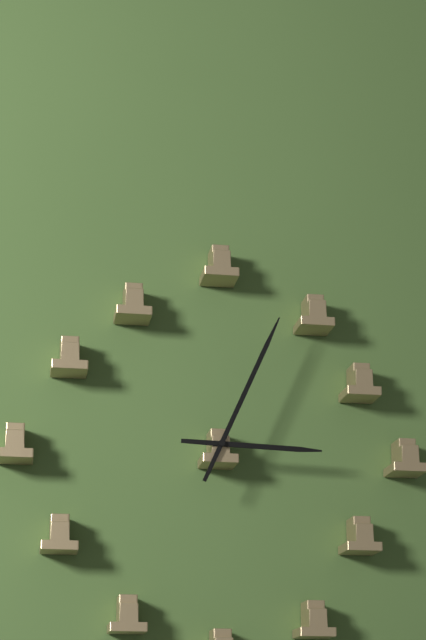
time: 3:04
